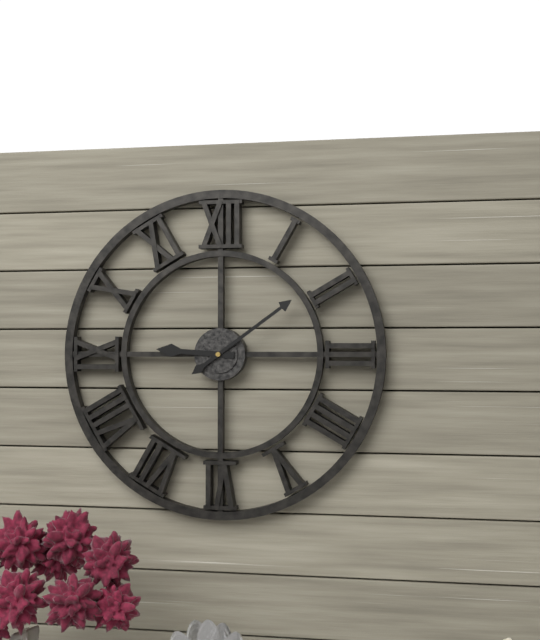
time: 9:09
